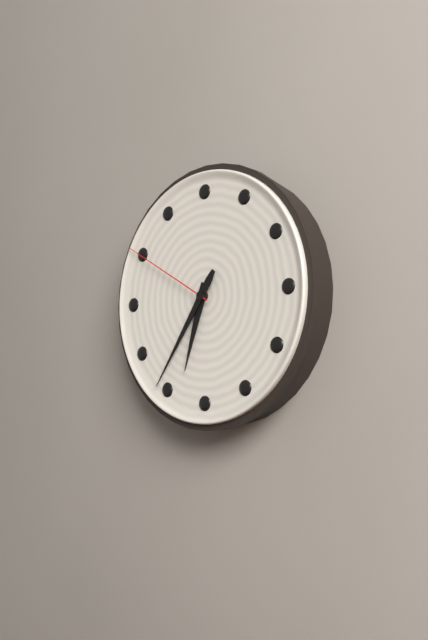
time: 6:36:50
